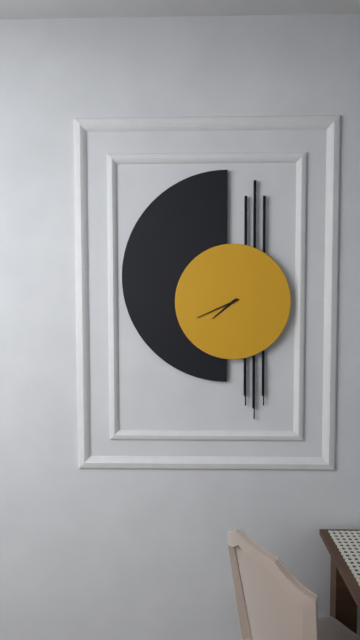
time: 7:41
